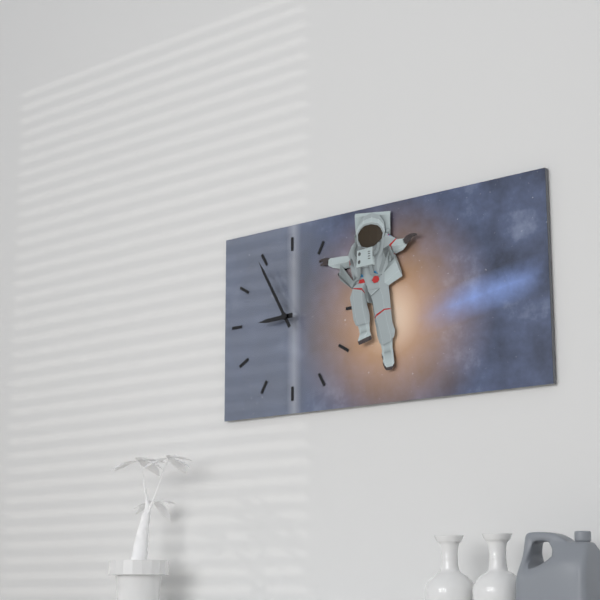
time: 8:55
